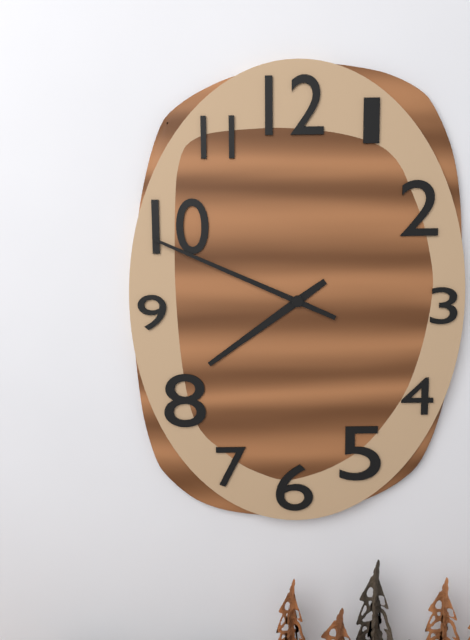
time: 7:49
